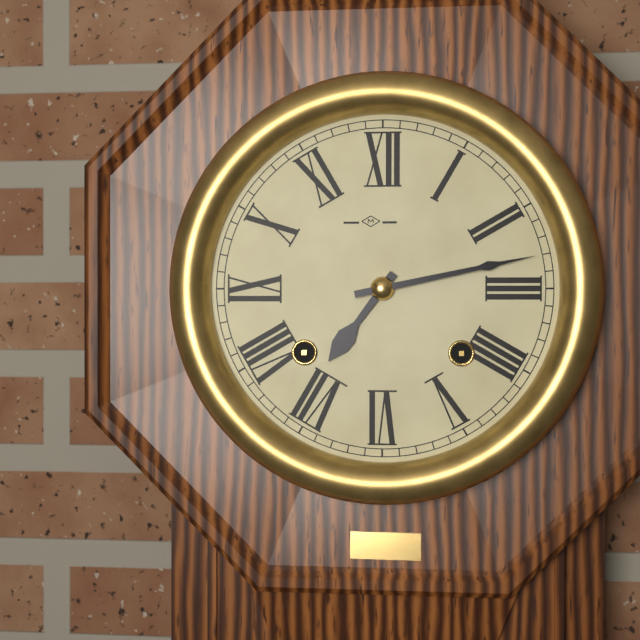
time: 7:13
